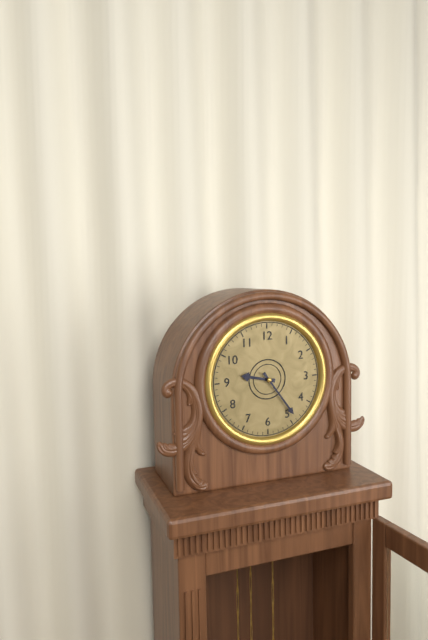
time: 9:24
